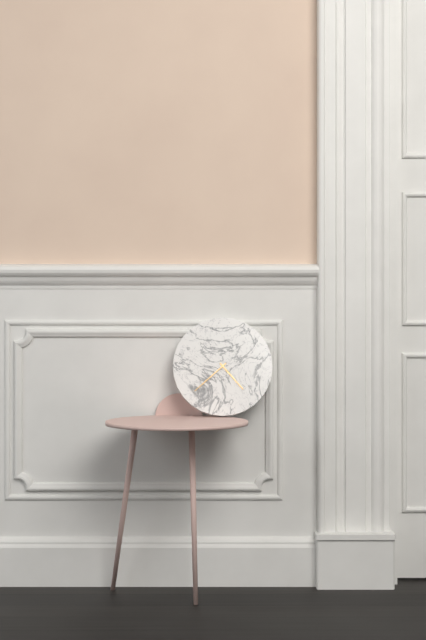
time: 4:38
